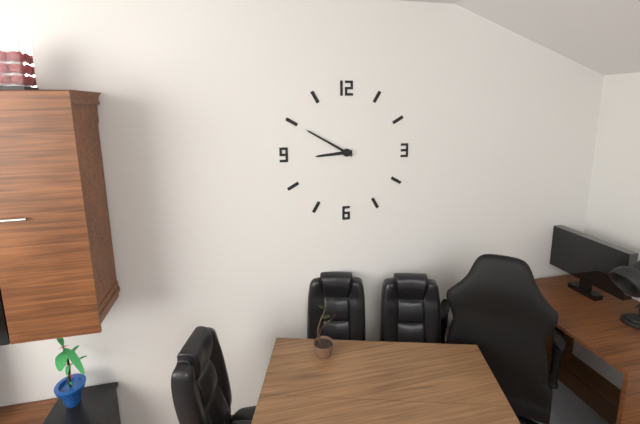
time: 8:50
